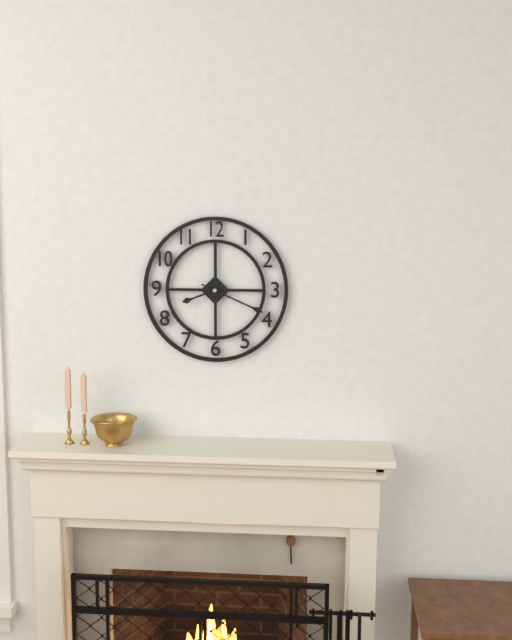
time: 8:19
